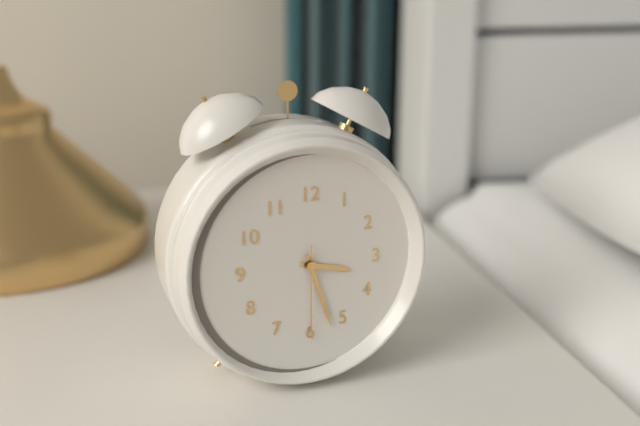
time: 3:27:30
